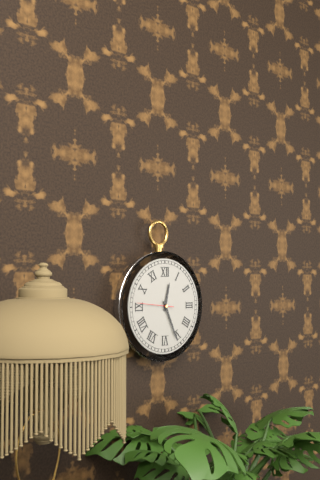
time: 12:26
